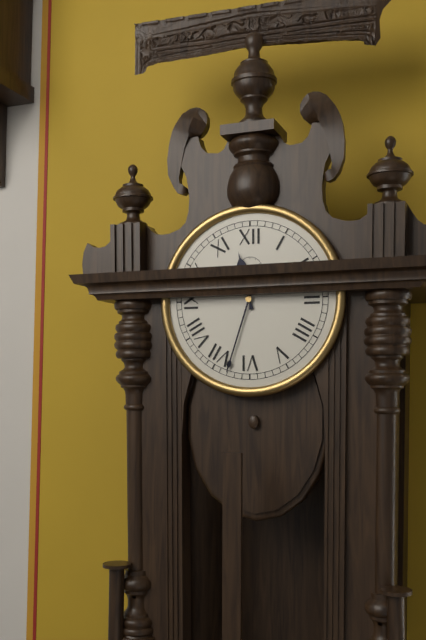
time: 11:33
